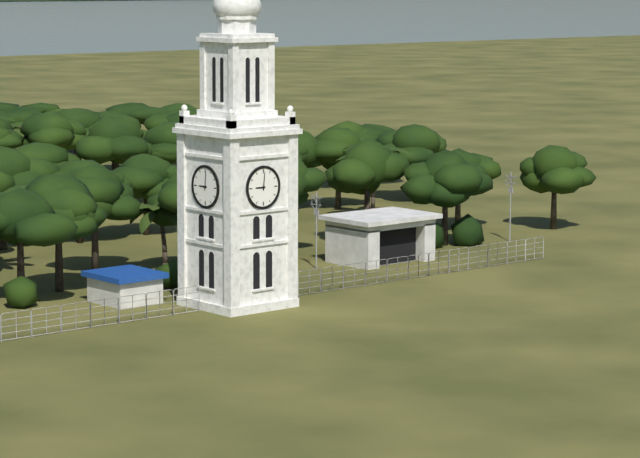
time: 9:01
